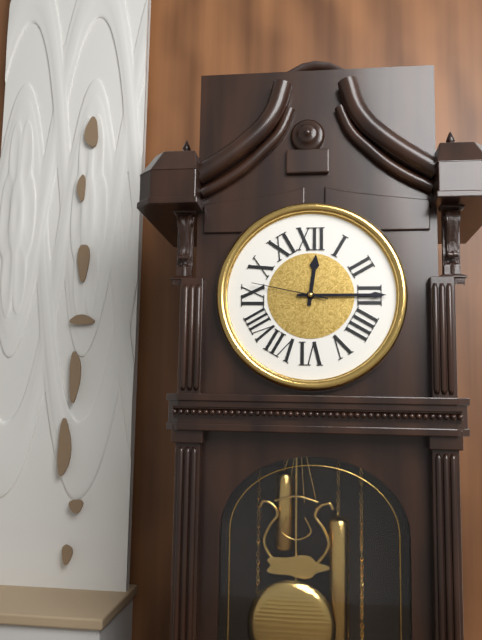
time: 12:15:47
